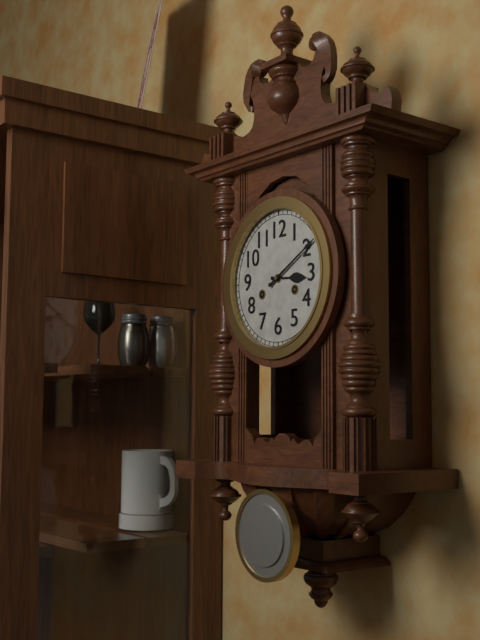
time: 3:10
